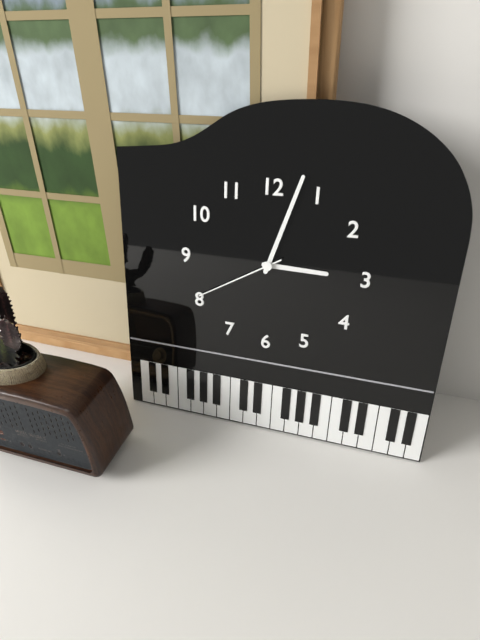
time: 3:03:40
